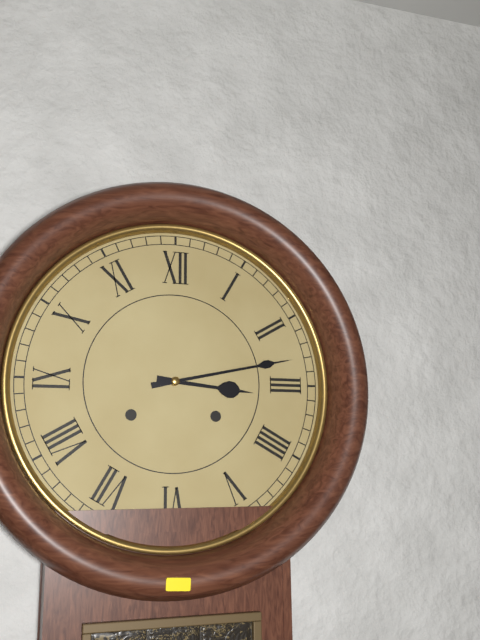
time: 3:13
